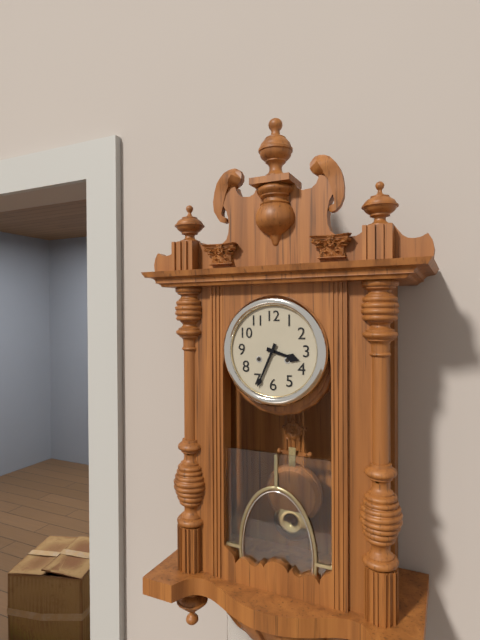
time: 3:34
